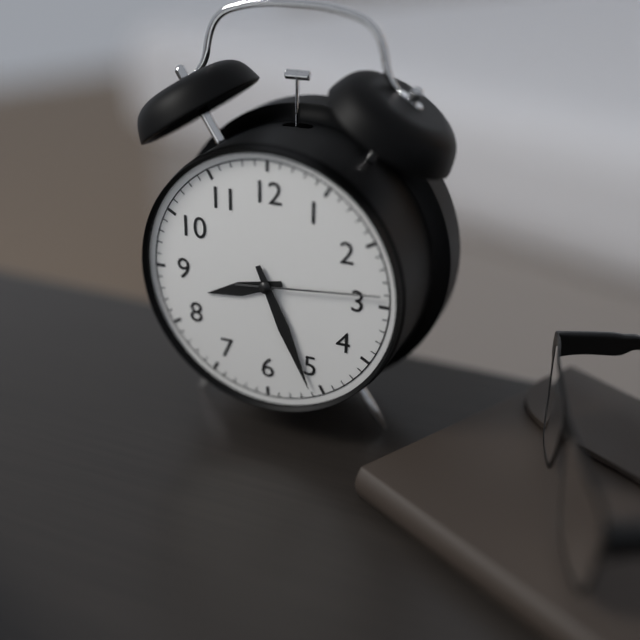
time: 8:26:14
